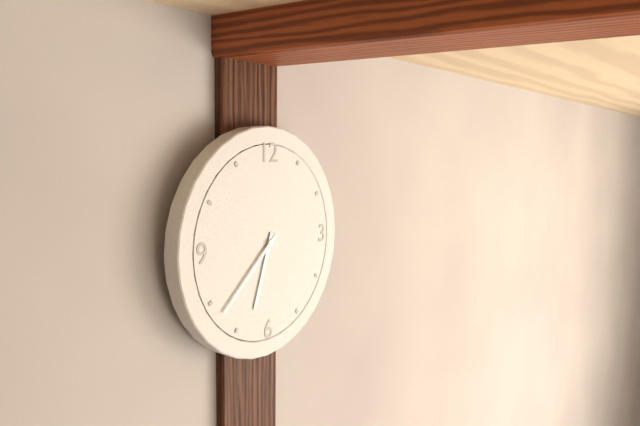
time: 6:38
